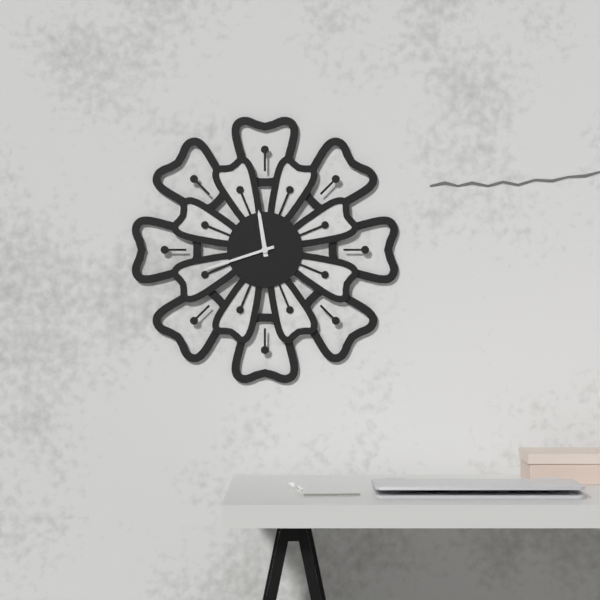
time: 11:42
